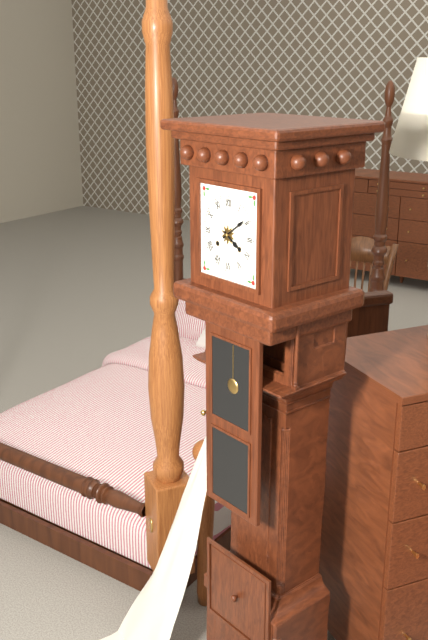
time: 4:09
